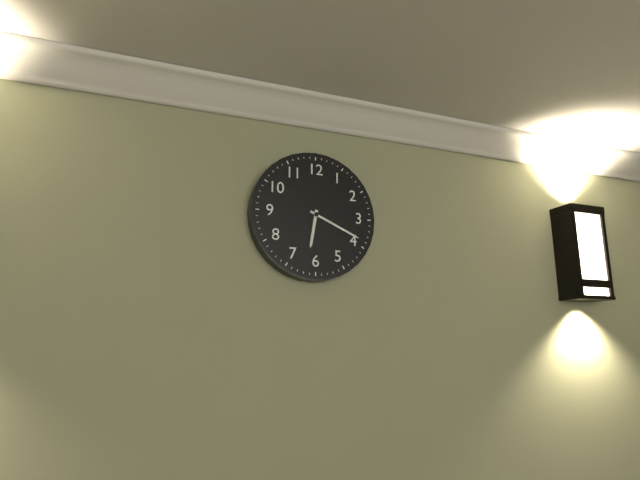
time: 6:19
